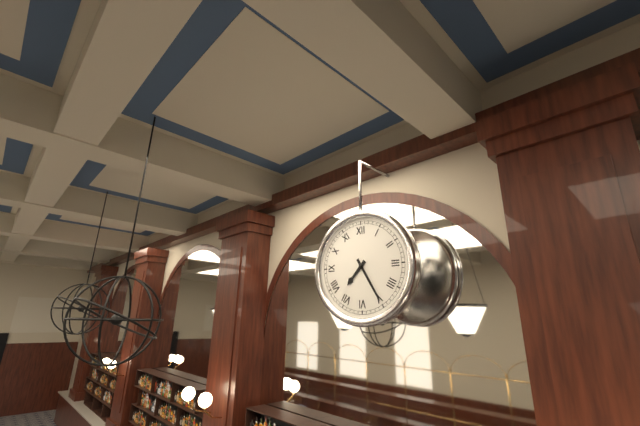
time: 7:25
